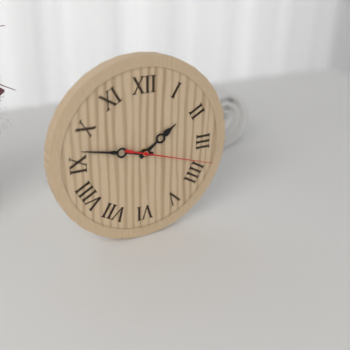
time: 1:47:18
